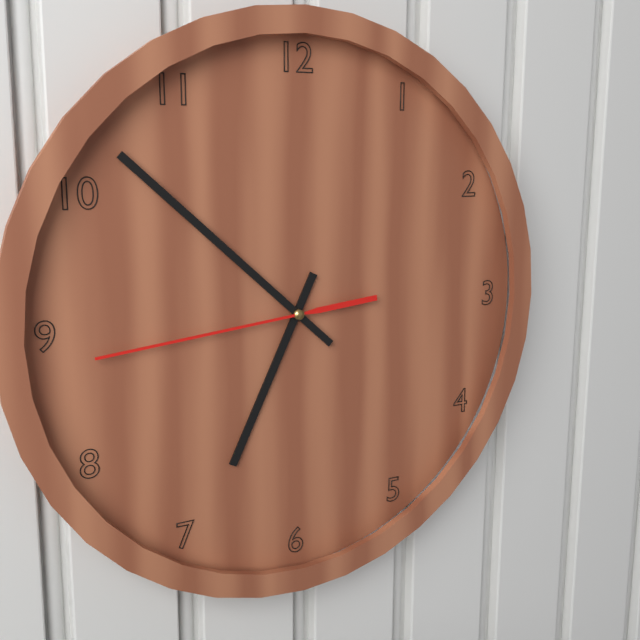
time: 6:52:44
